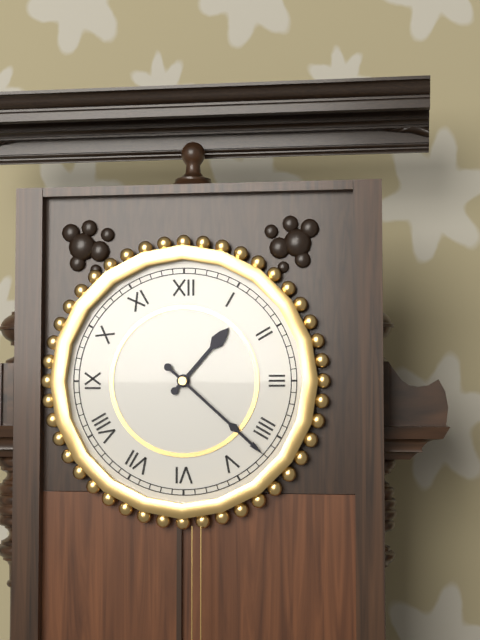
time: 1:22
